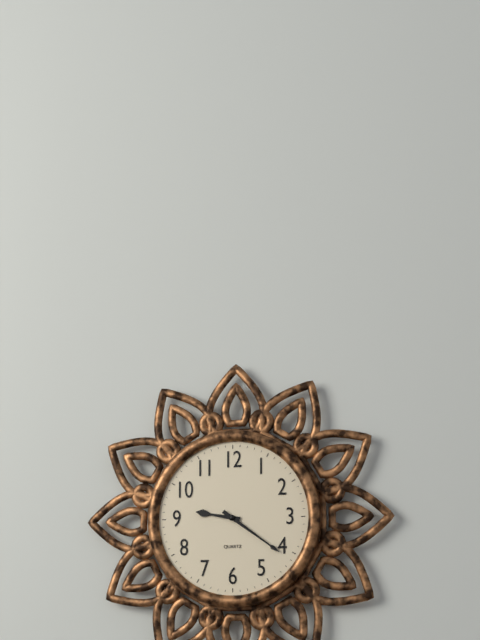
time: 9:21
